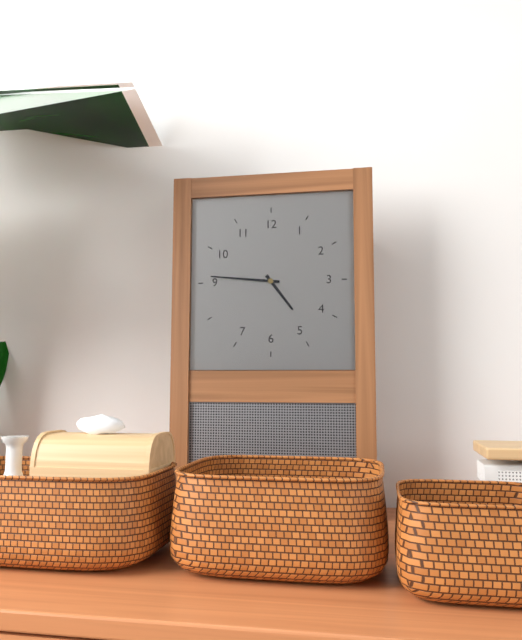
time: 4:46
